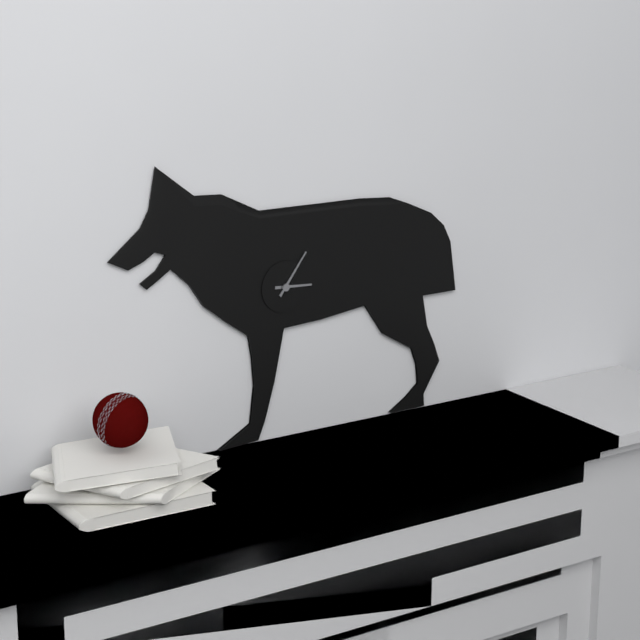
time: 3:06
